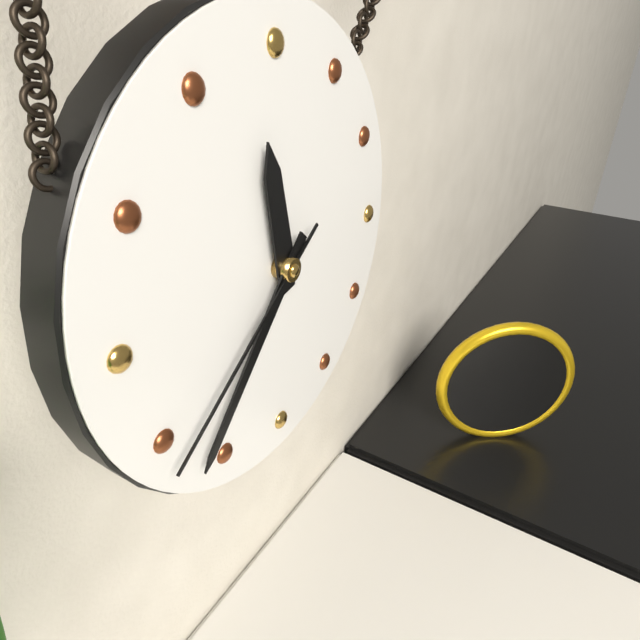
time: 11:37:39
